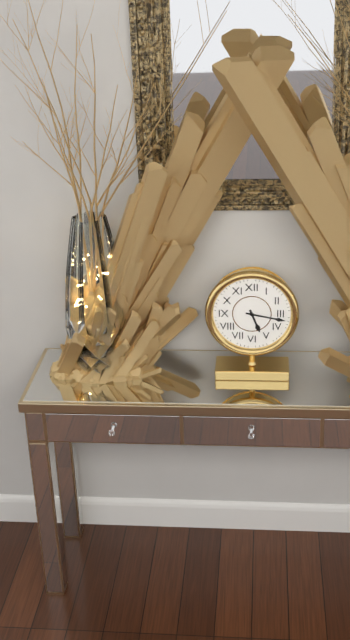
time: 5:17
